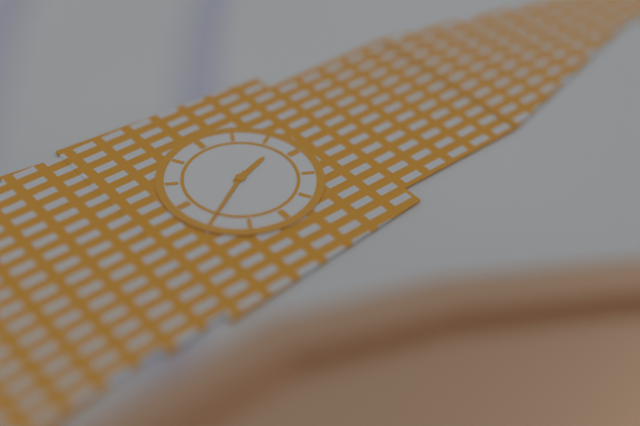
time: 11:25
